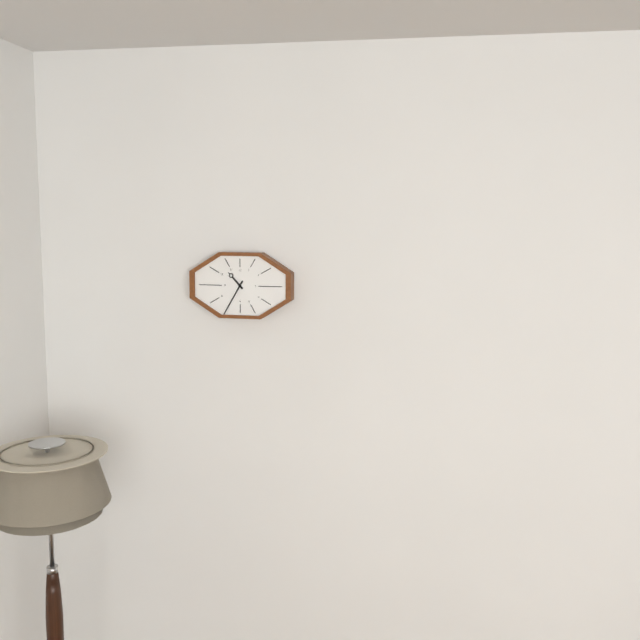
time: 10:35
